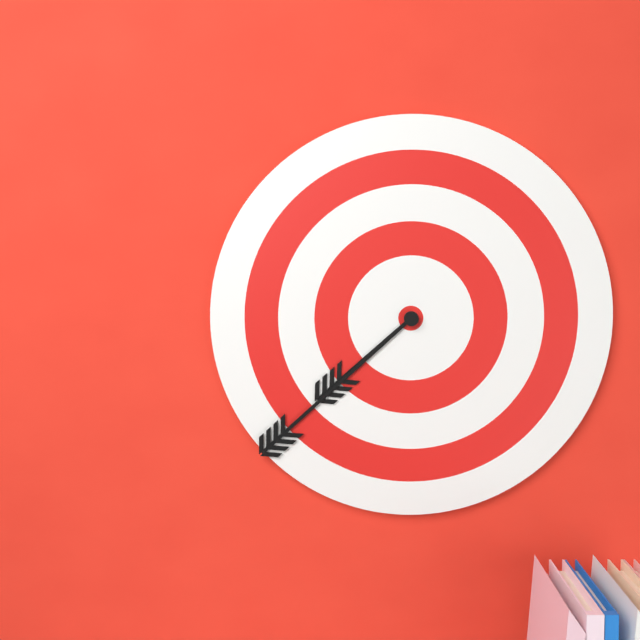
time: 7:38
